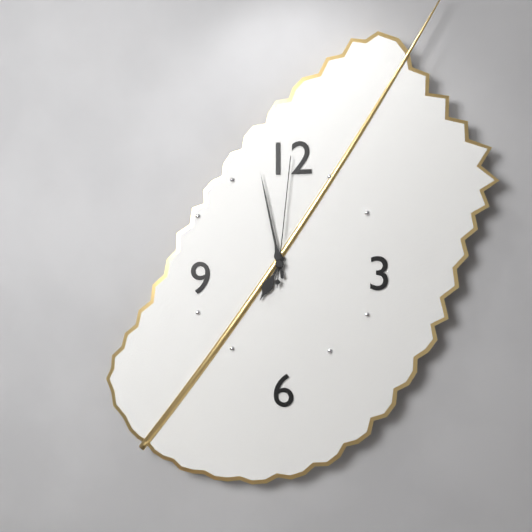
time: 6:58:01
